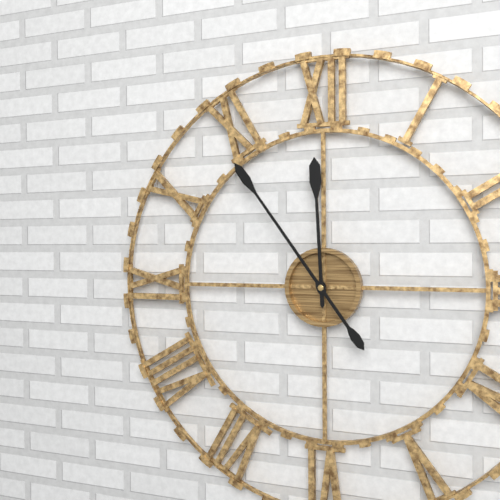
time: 11:54
